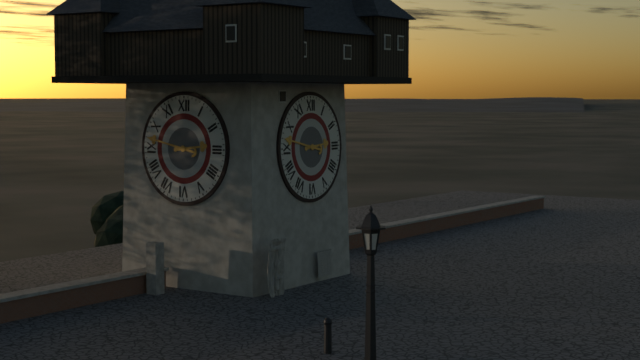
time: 2:47
